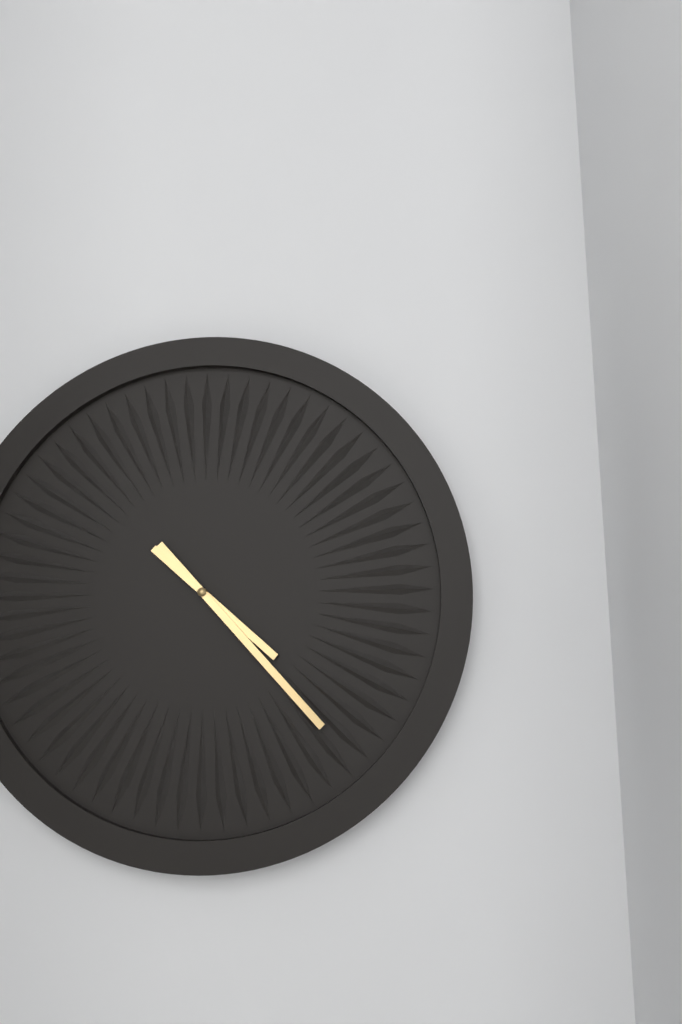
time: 4:23
